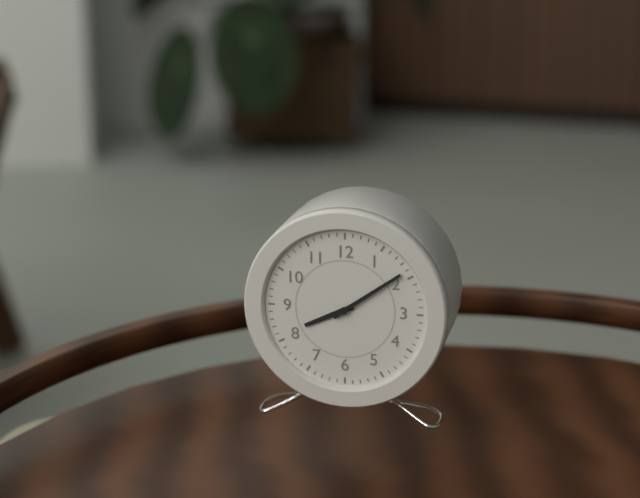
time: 8:09
